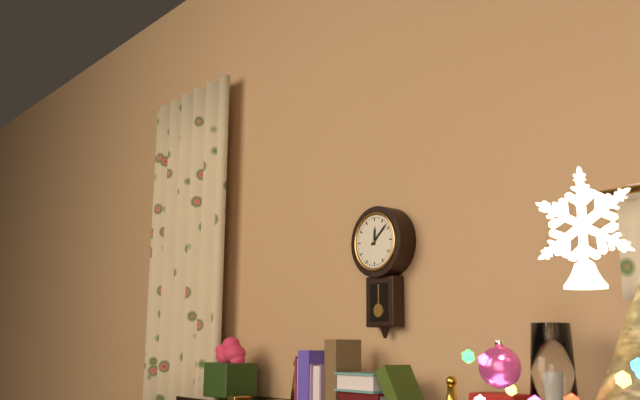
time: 12:08
